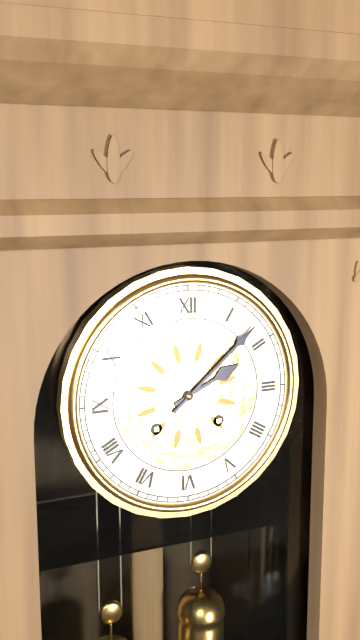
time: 2:08
